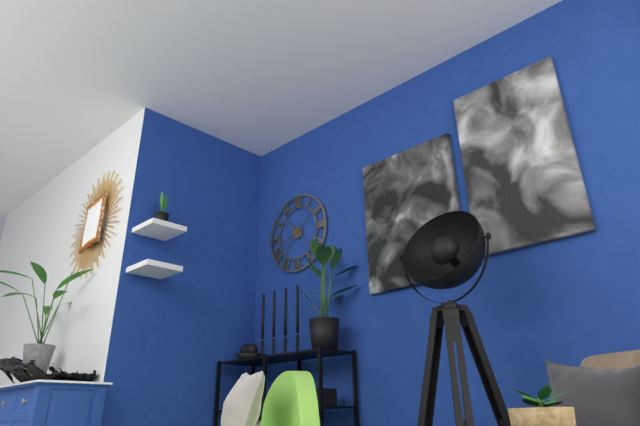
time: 10:41
